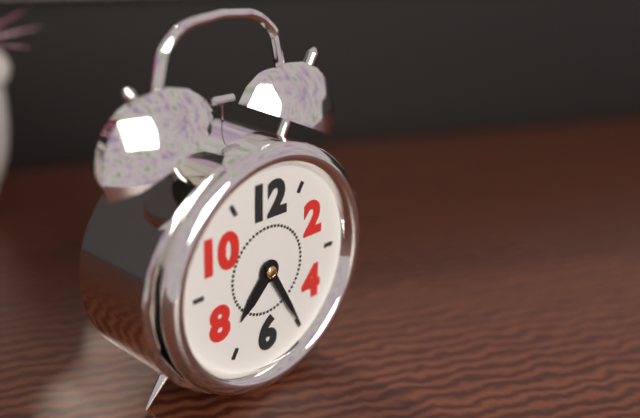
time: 7:25
